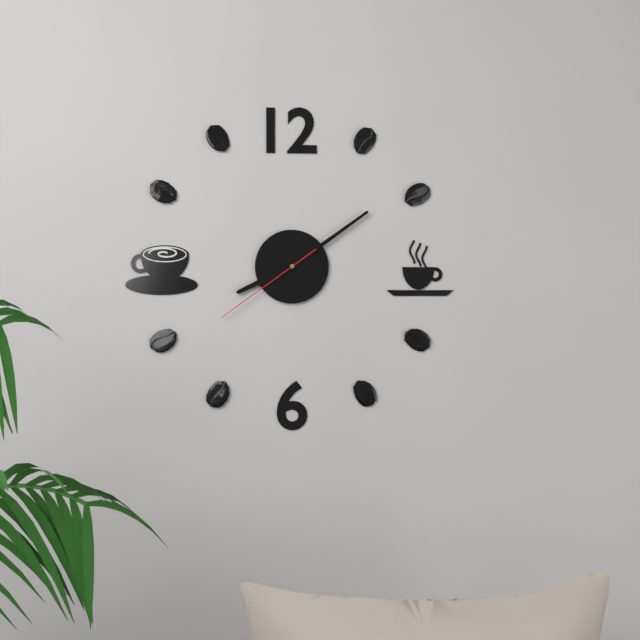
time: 8:09:39
